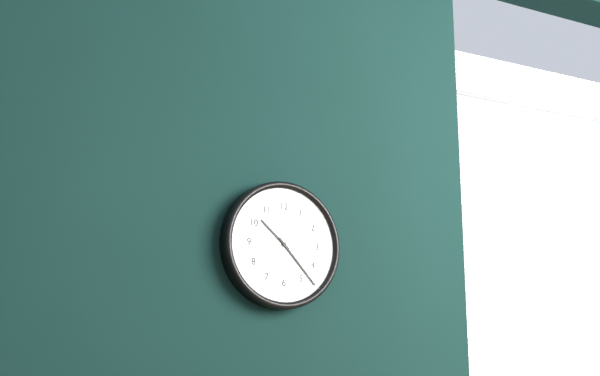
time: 10:23
